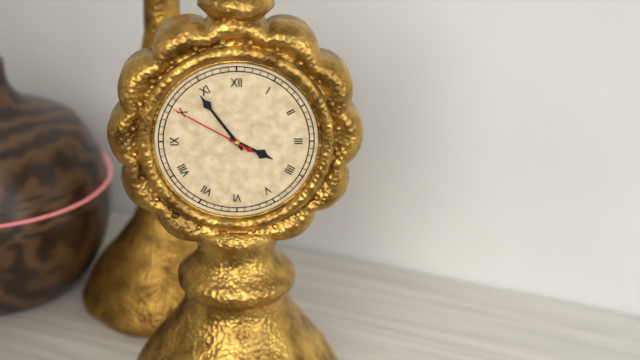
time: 3:54:50
